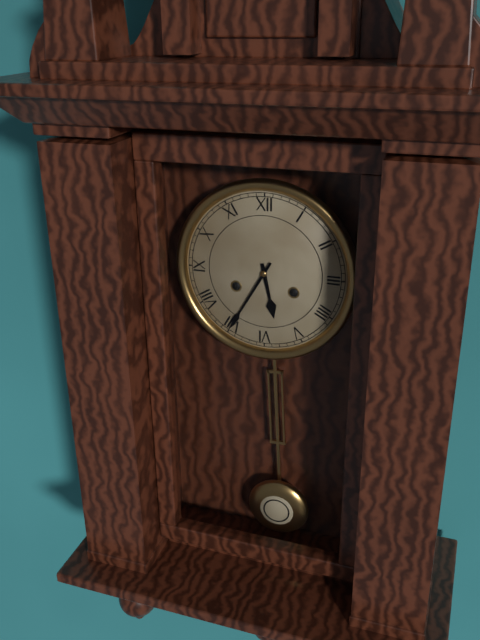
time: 5:35
